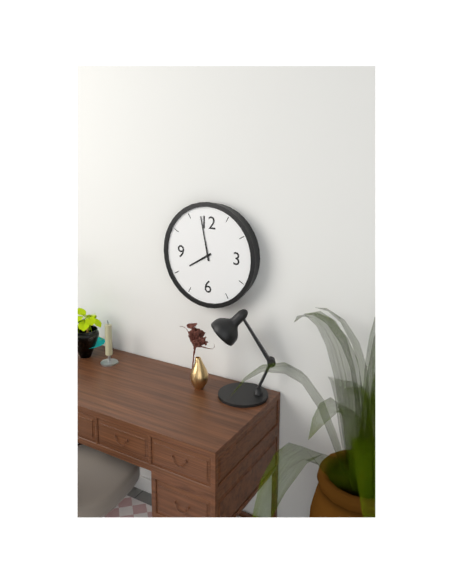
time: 7:58
